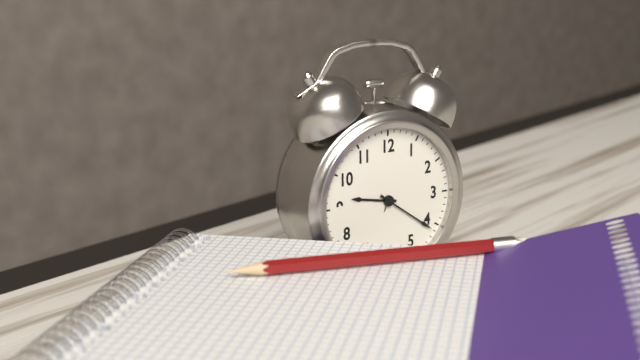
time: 9:21
